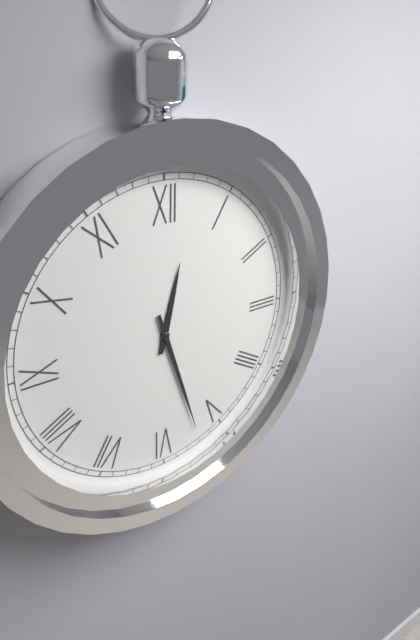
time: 12:27
